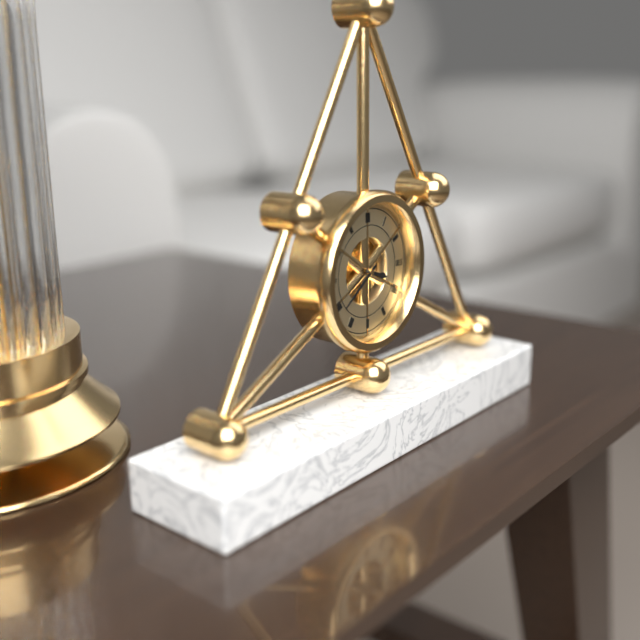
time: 3:39
